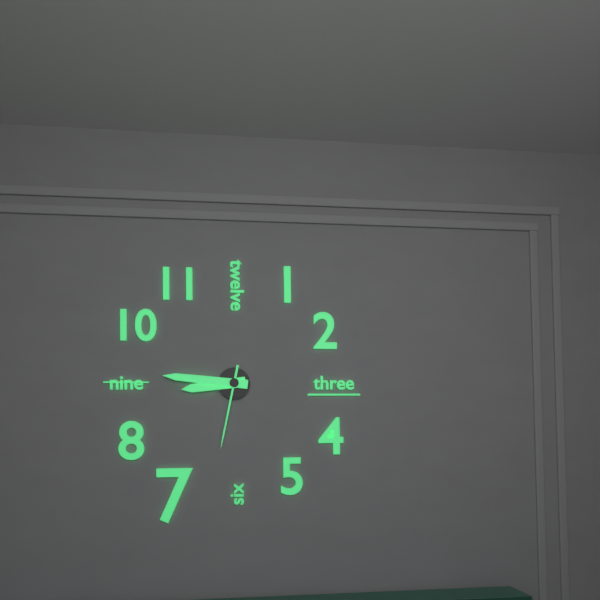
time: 8:46:32
